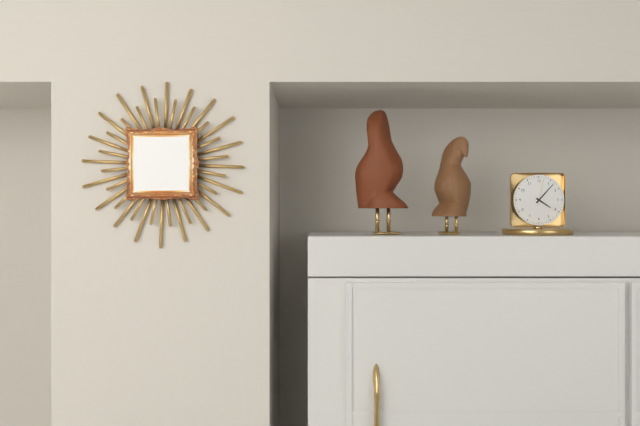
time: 4:07
